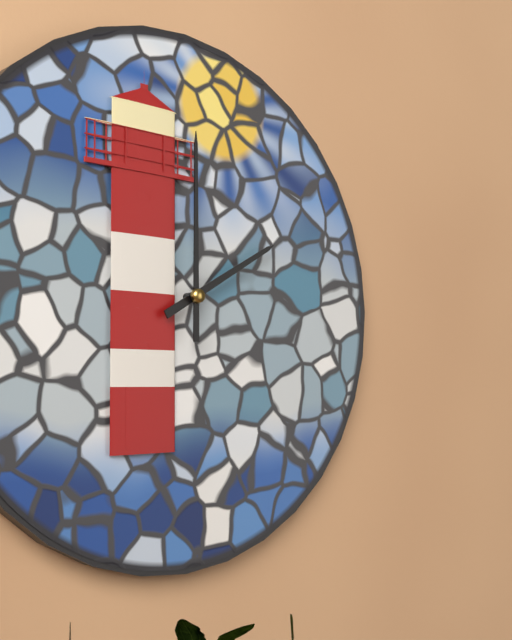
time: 2:00
